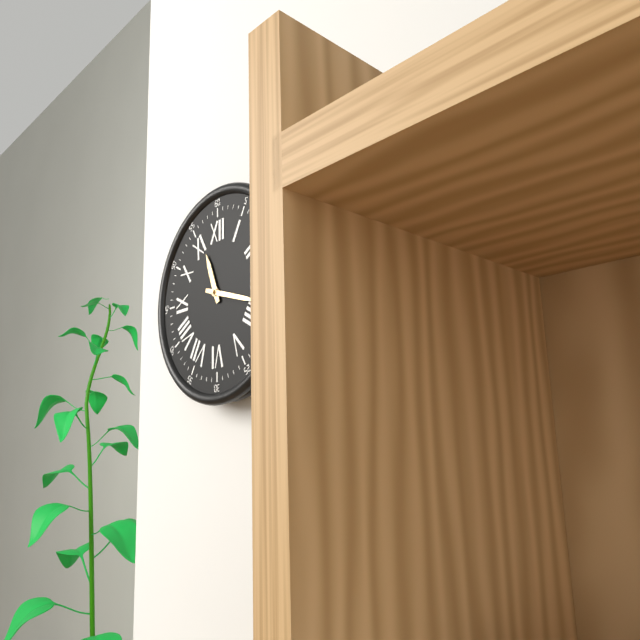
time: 11:18
